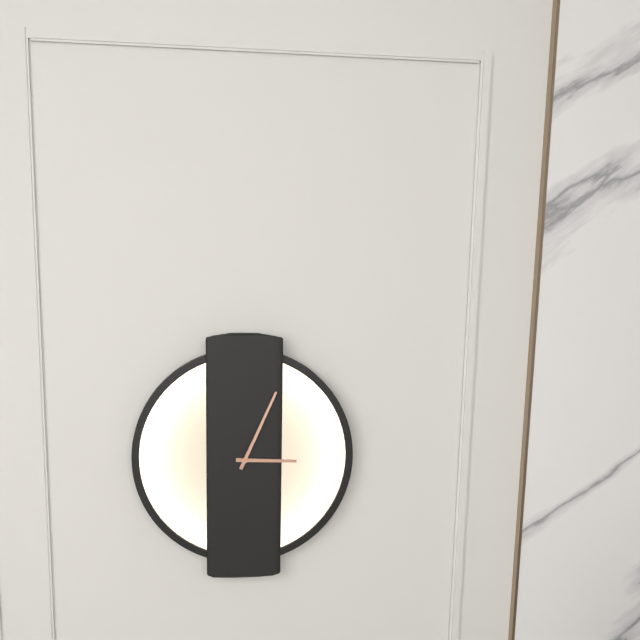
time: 3:04
